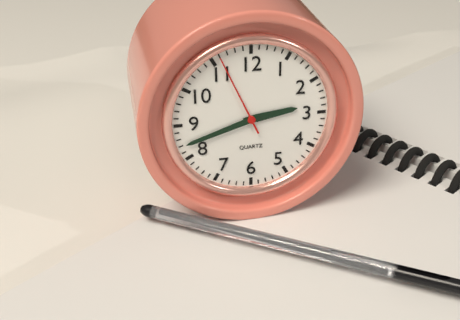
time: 2:42:56
